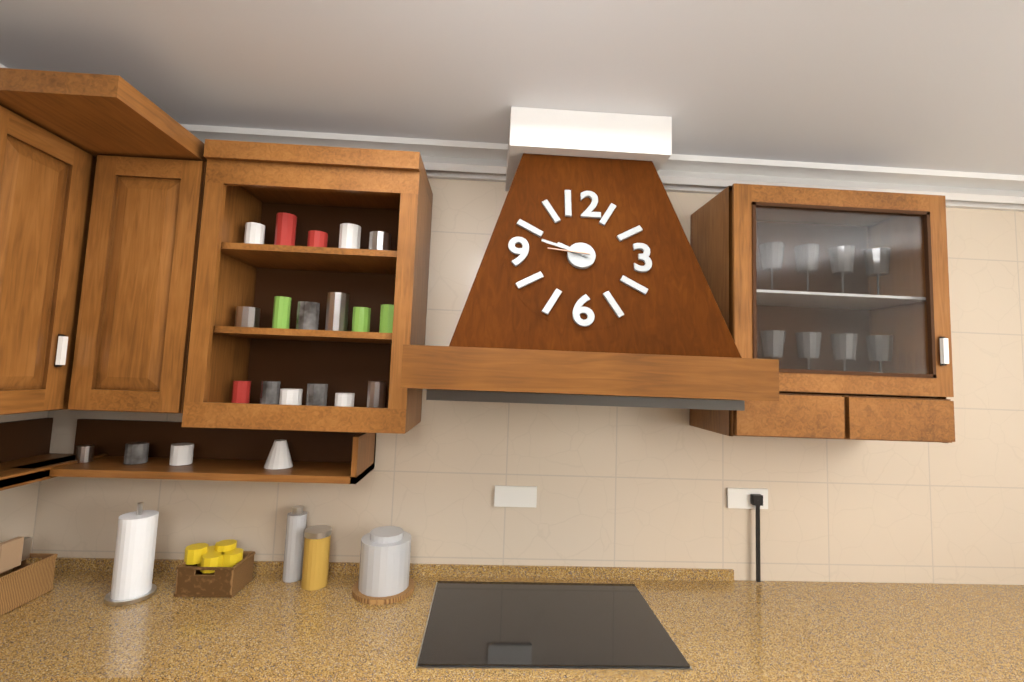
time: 9:48
